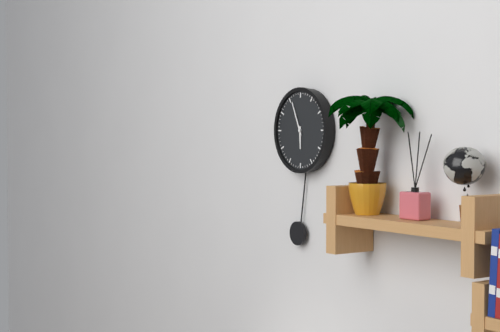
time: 5:56
